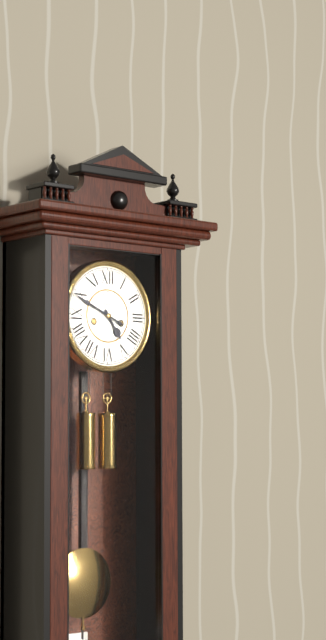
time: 4:49
